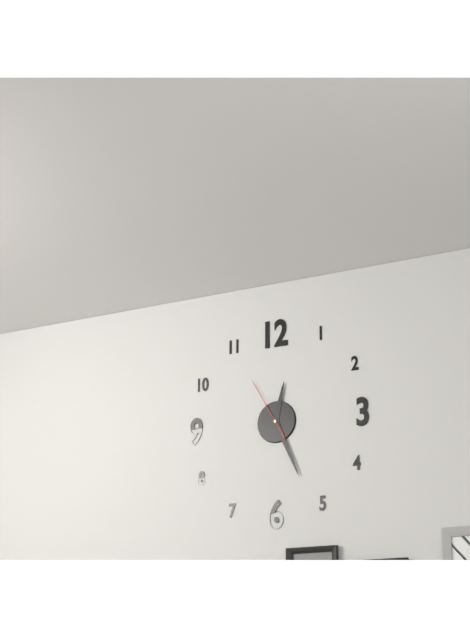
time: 12:26:55
